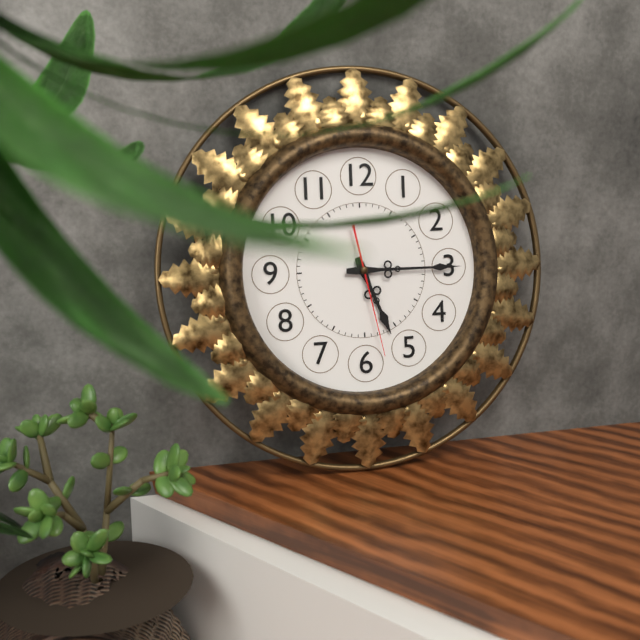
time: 5:15:28
